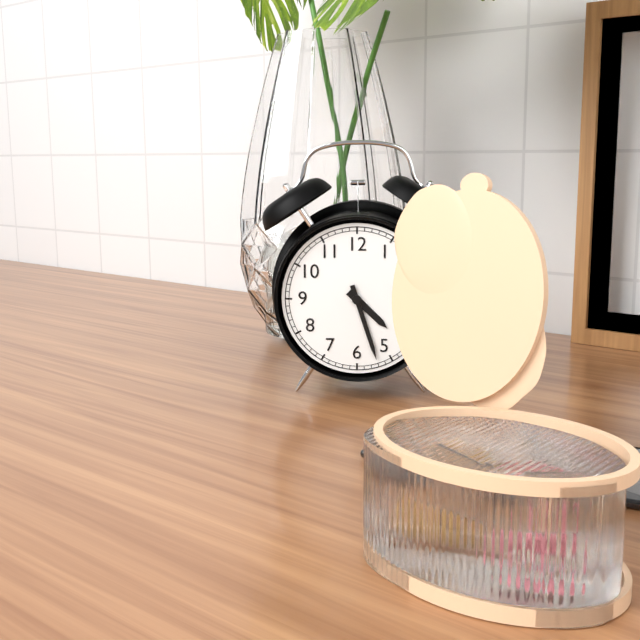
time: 4:27
